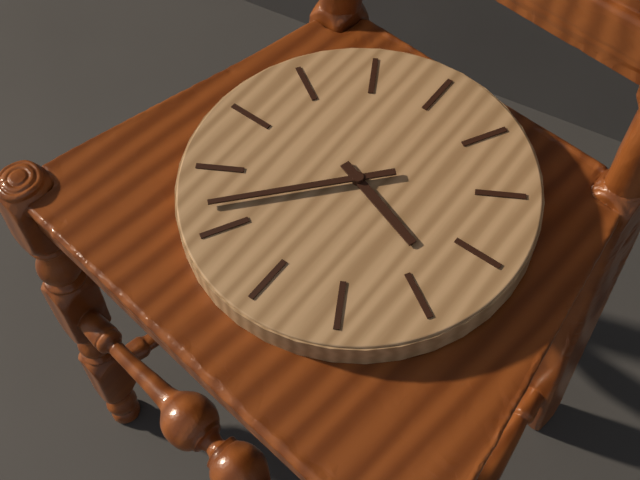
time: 3:37
